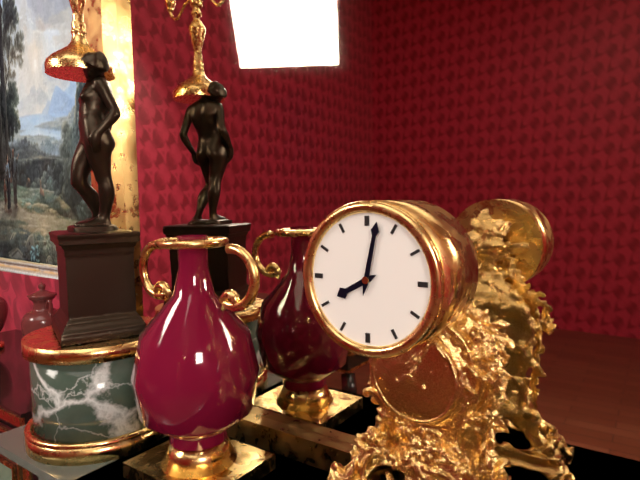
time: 8:02
